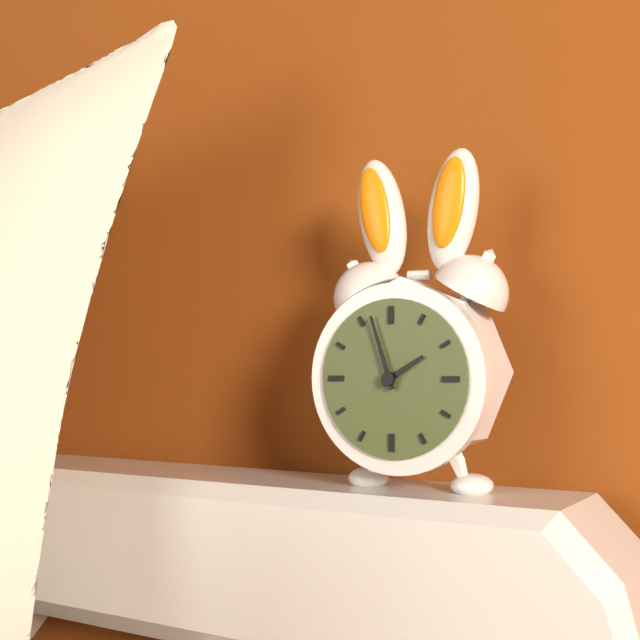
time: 1:57
